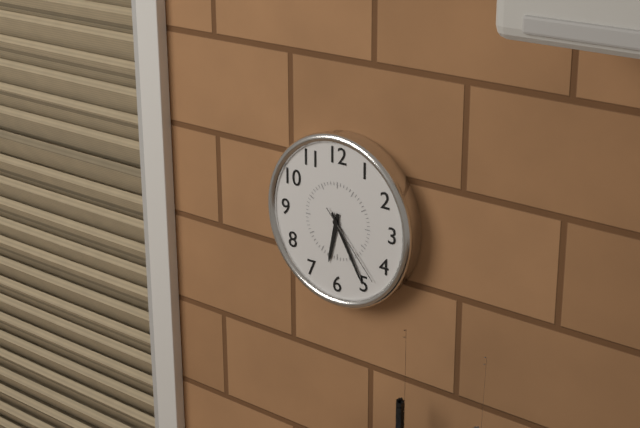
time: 6:25:23
